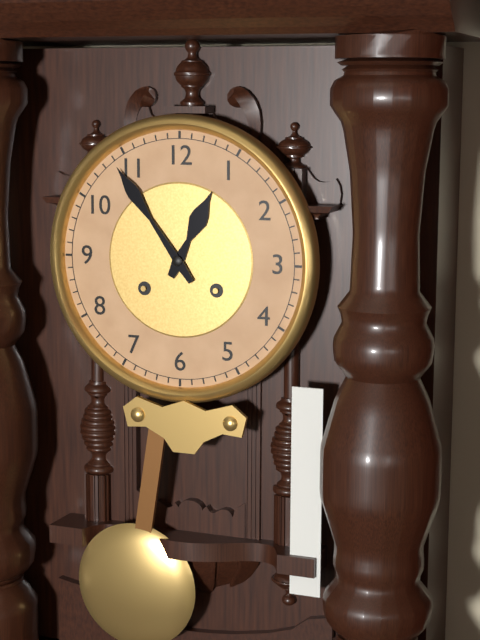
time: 12:54
